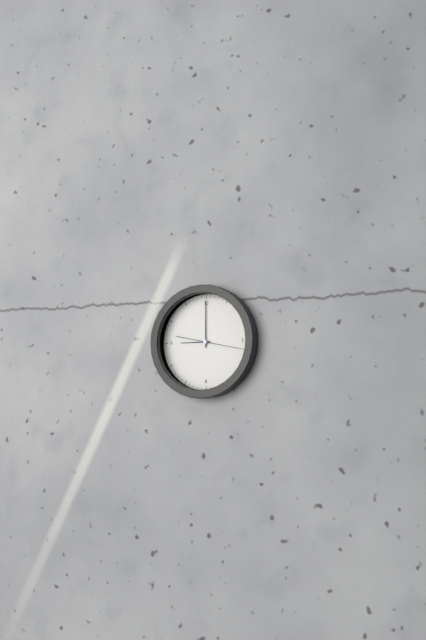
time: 9:00:17
